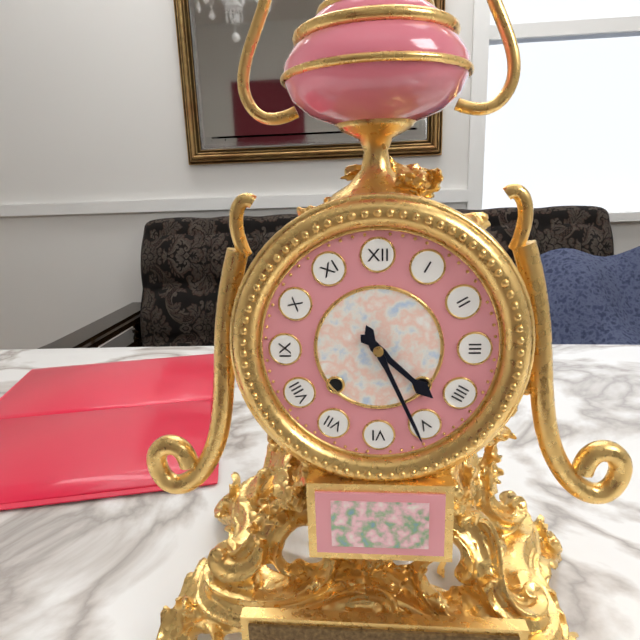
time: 4:26
